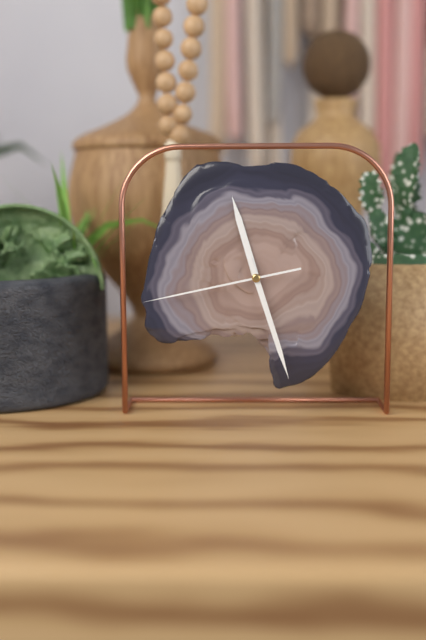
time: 11:27:43
